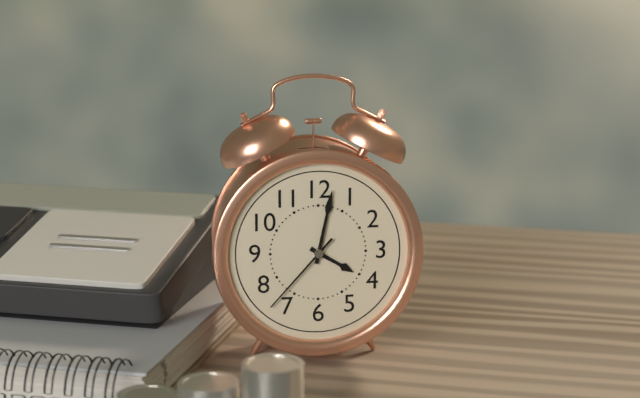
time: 4:02:37
